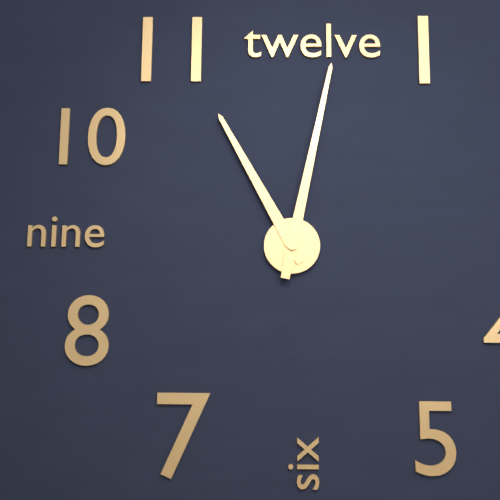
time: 11:02
